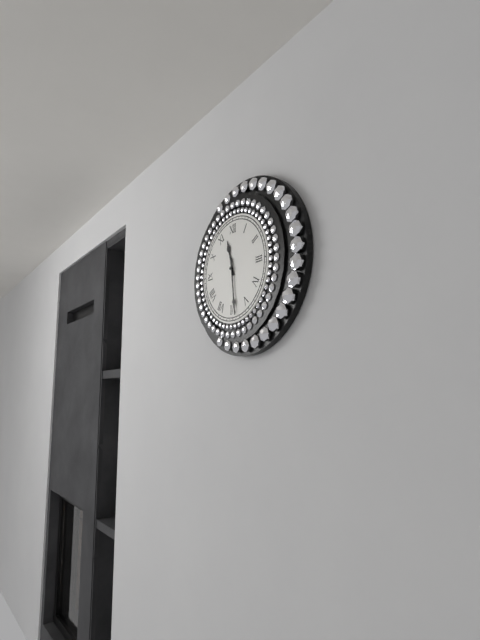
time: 11:29
